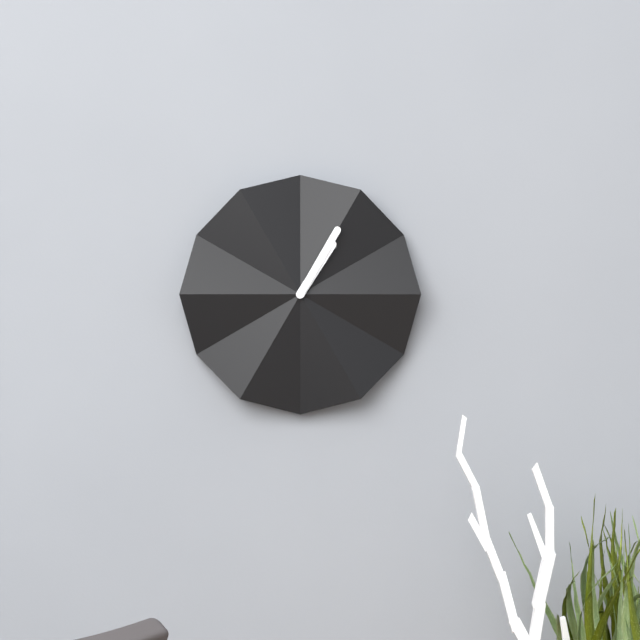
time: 1:05
